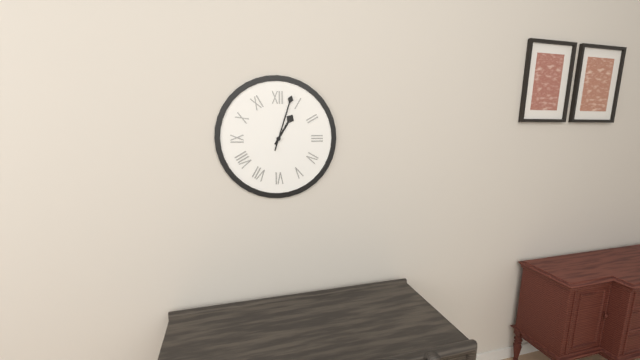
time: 1:03
